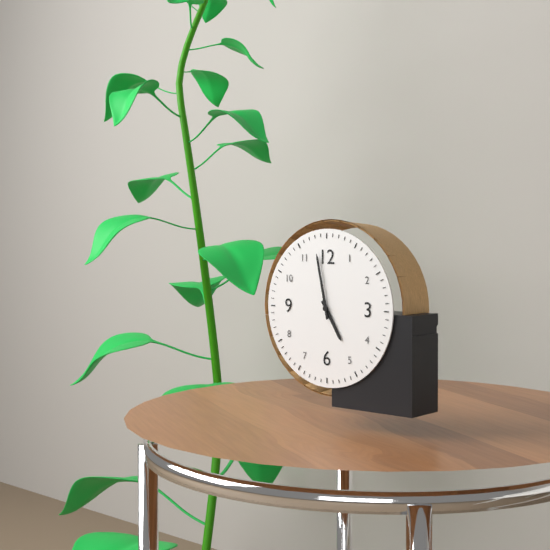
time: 4:58
